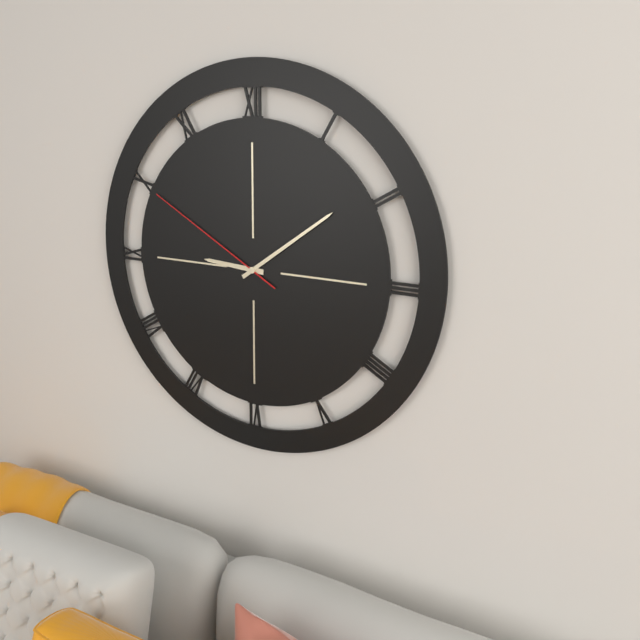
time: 9:09:50
